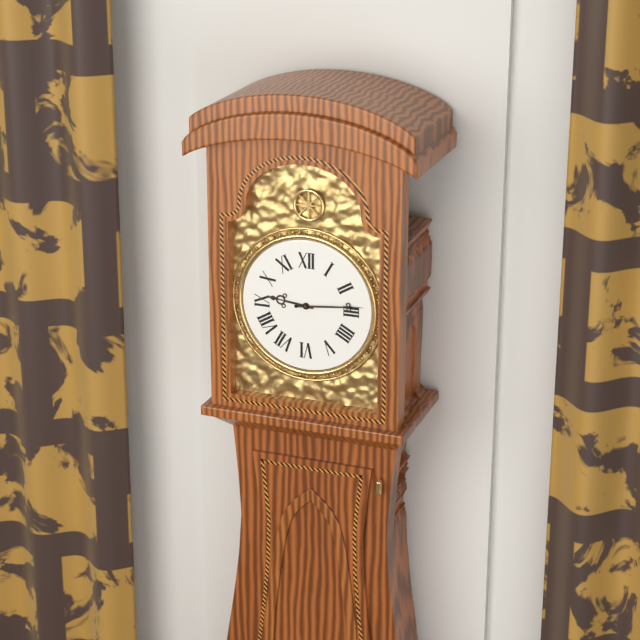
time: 9:14
